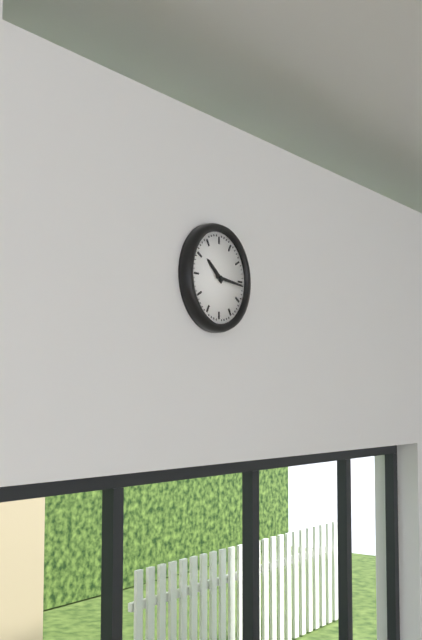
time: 10:16
